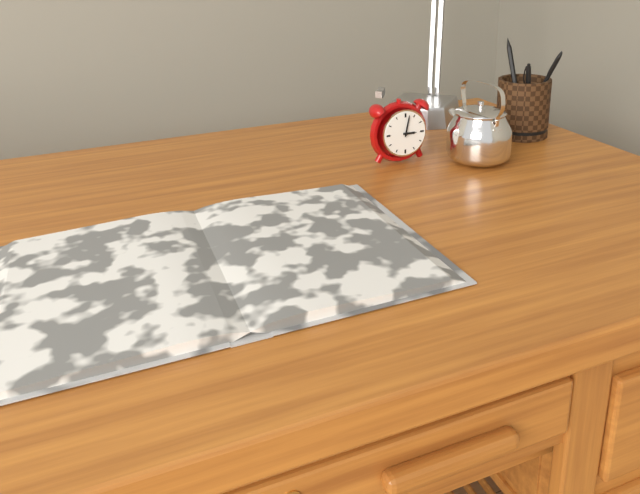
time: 3:02
